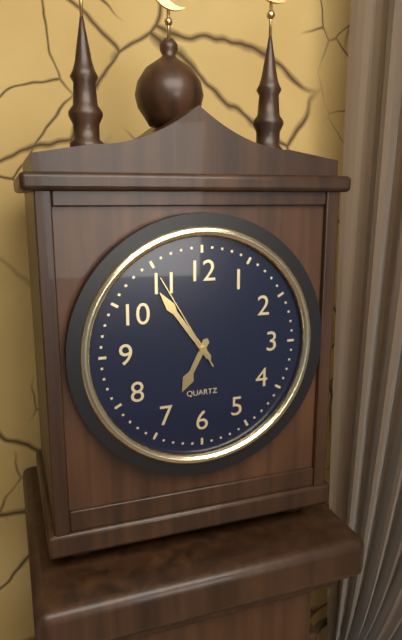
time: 6:54:55
